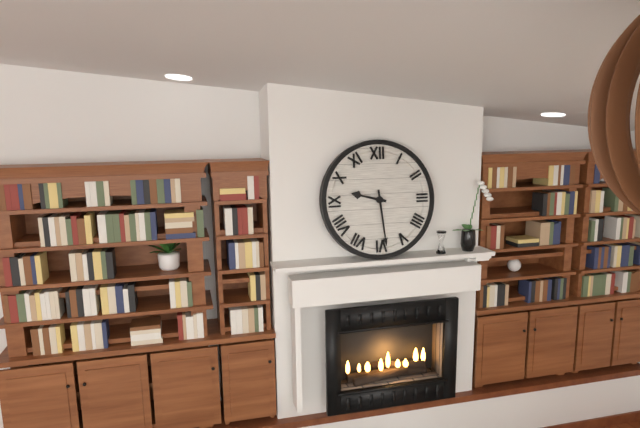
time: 9:29
